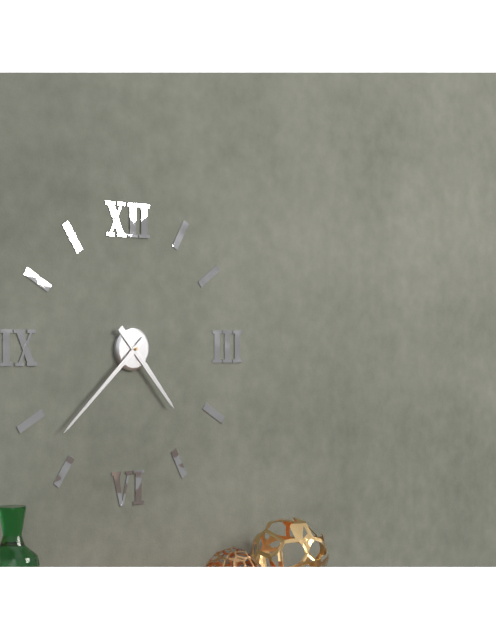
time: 4:38
